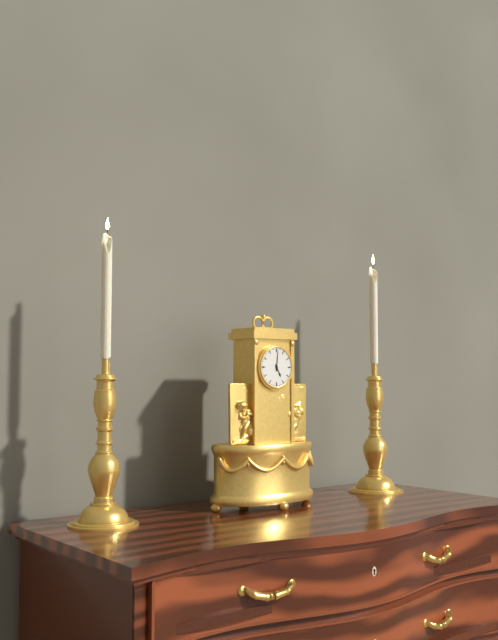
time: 5:01
